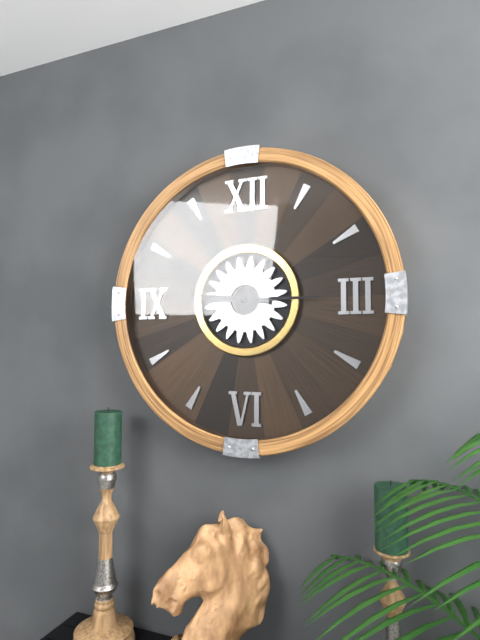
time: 9:15
